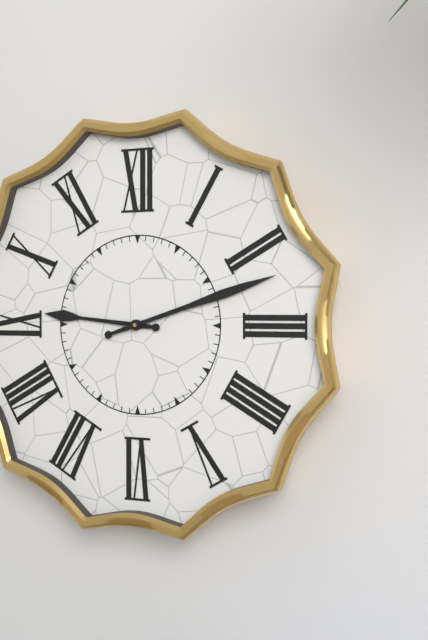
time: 9:12
